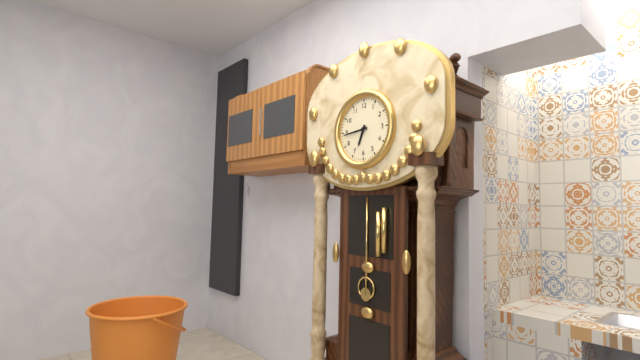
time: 6:44
